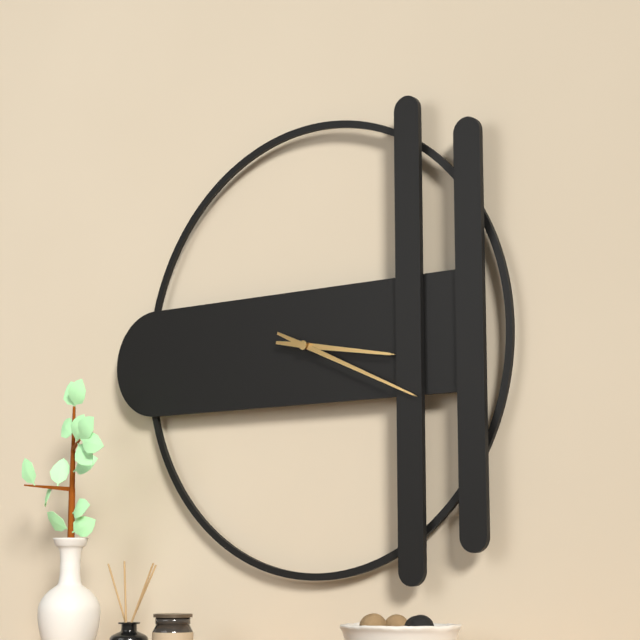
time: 3:19
